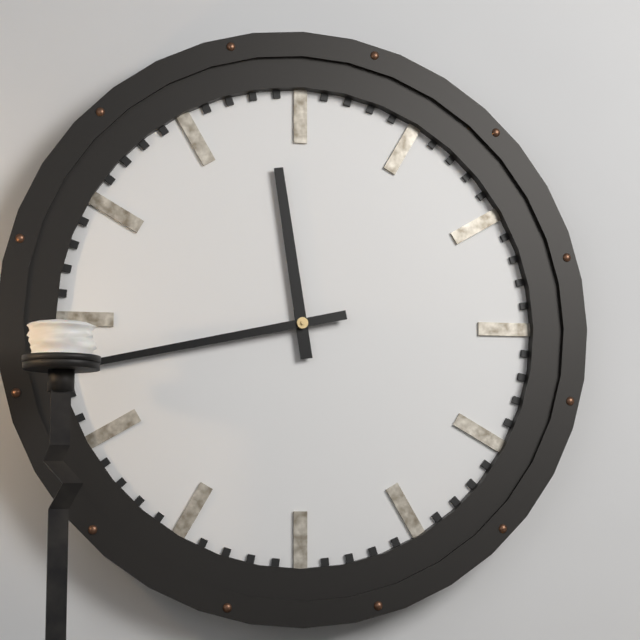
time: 11:43
